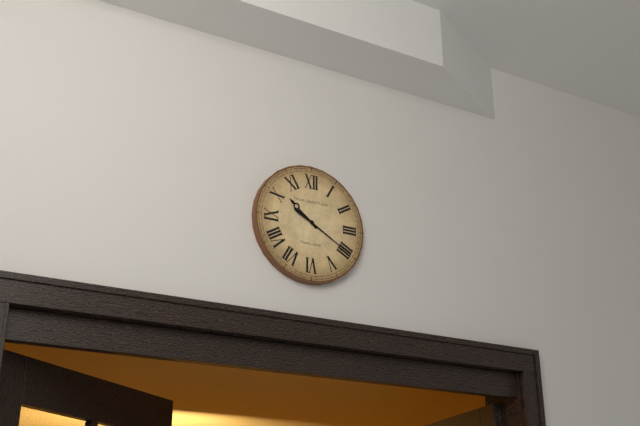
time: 10:20
